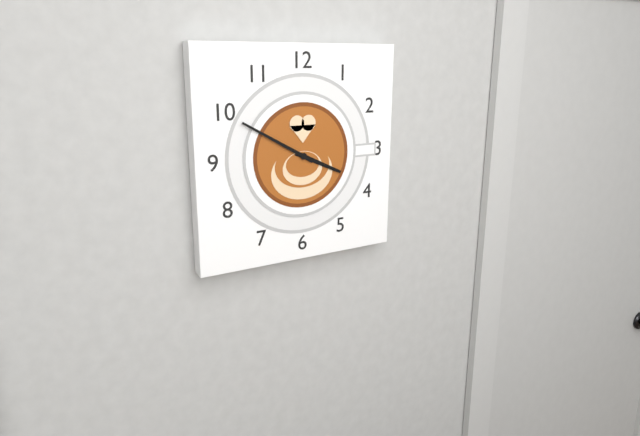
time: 3:50
